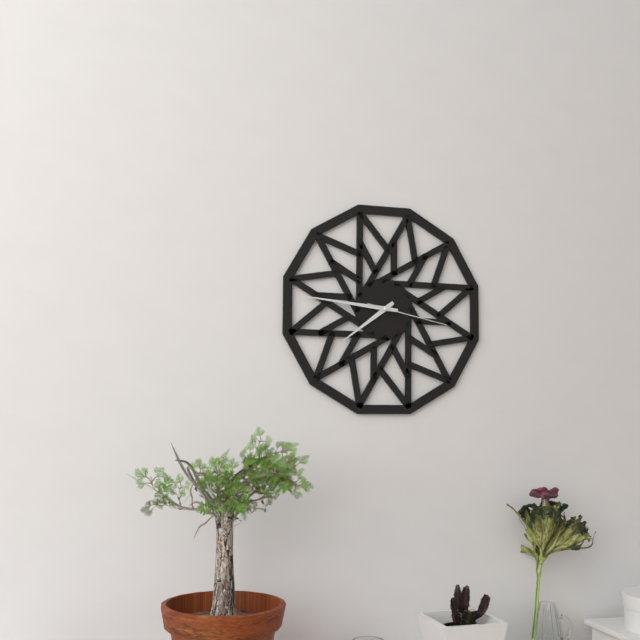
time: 7:46:17
